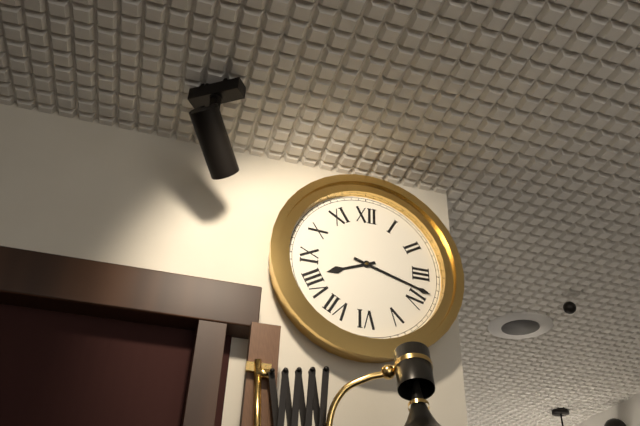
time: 8:18
